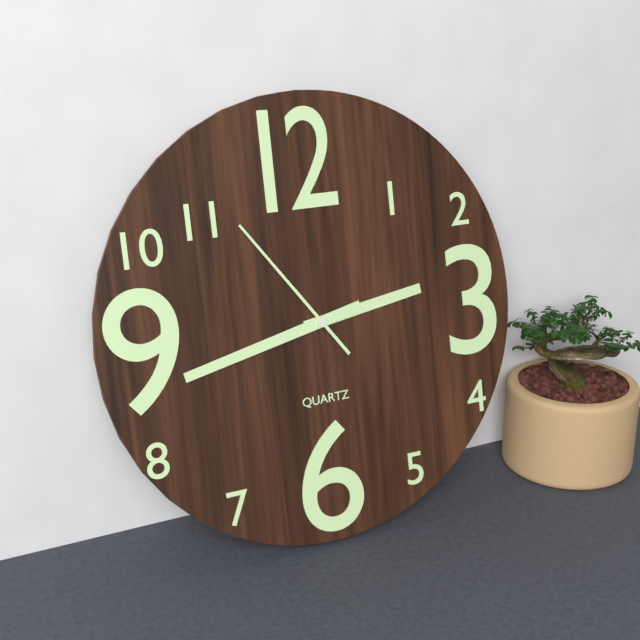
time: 2:43:54
